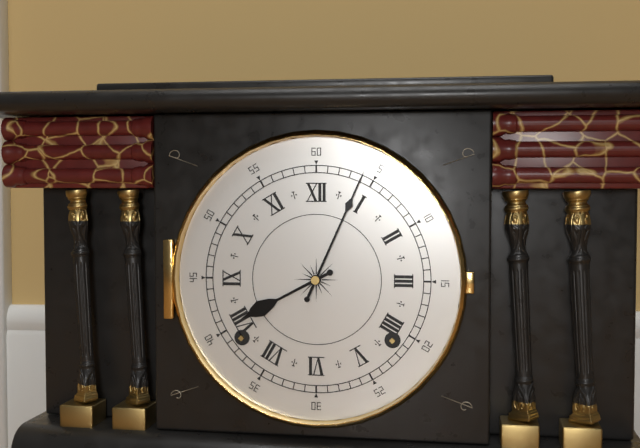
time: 8:04
